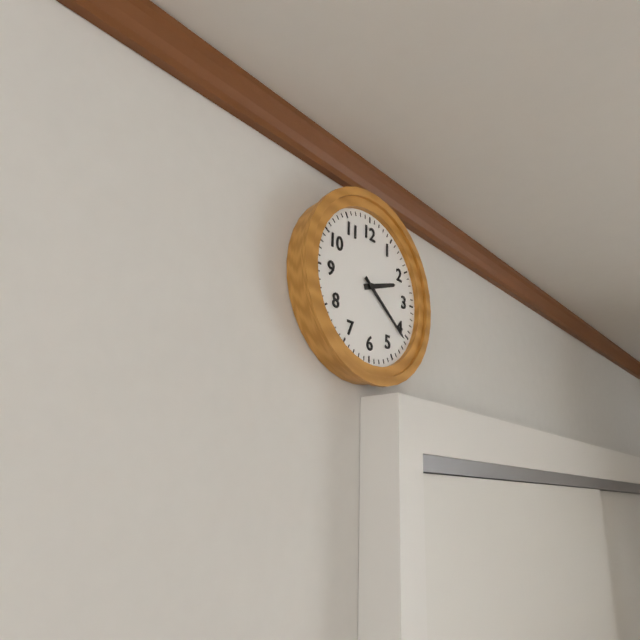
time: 2:21
